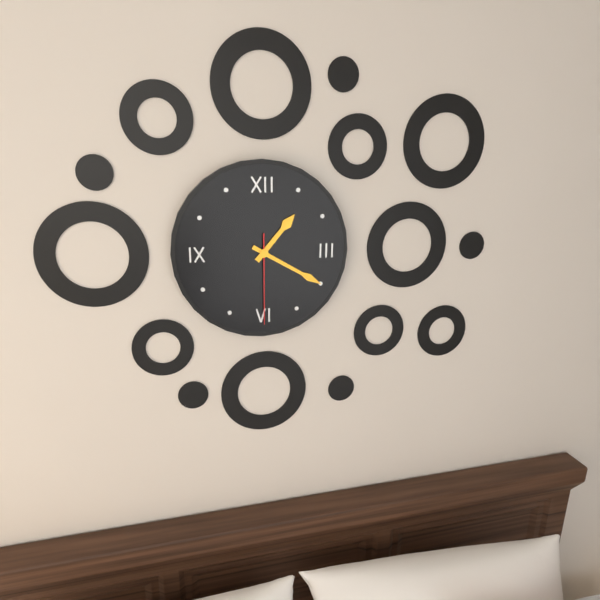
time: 1:20:30
